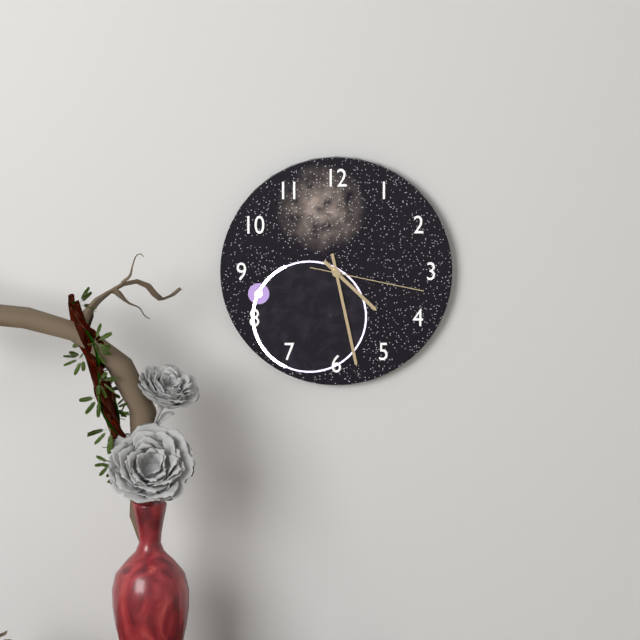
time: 4:28:17
